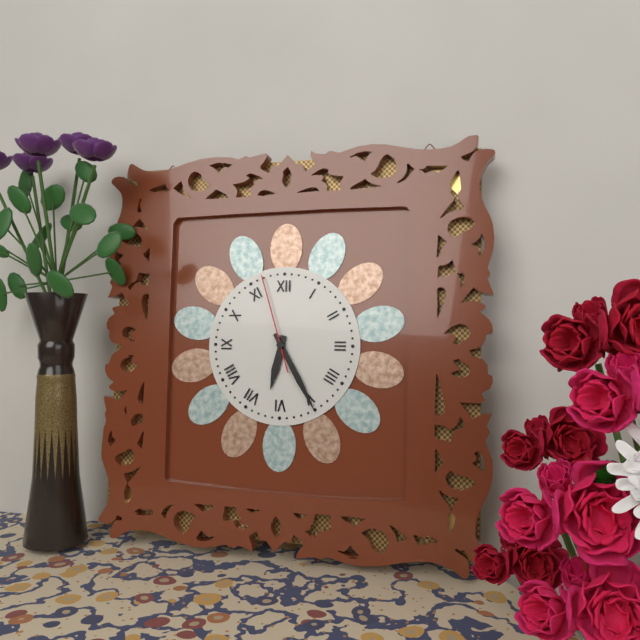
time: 6:25:57
